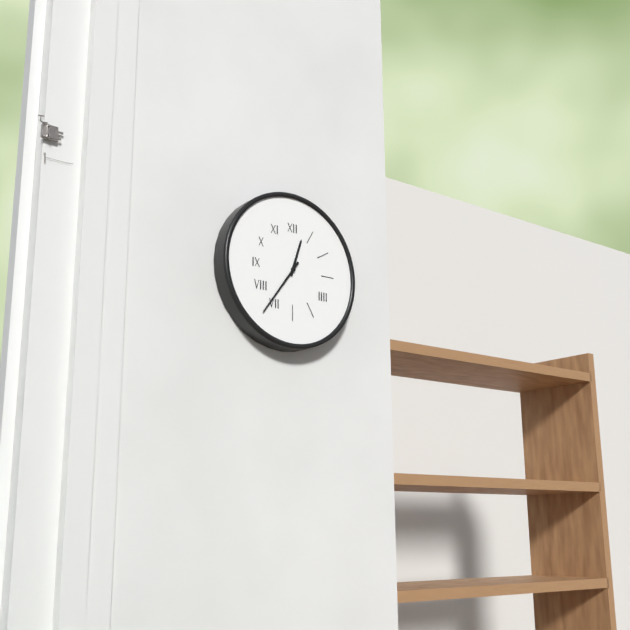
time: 12:36
